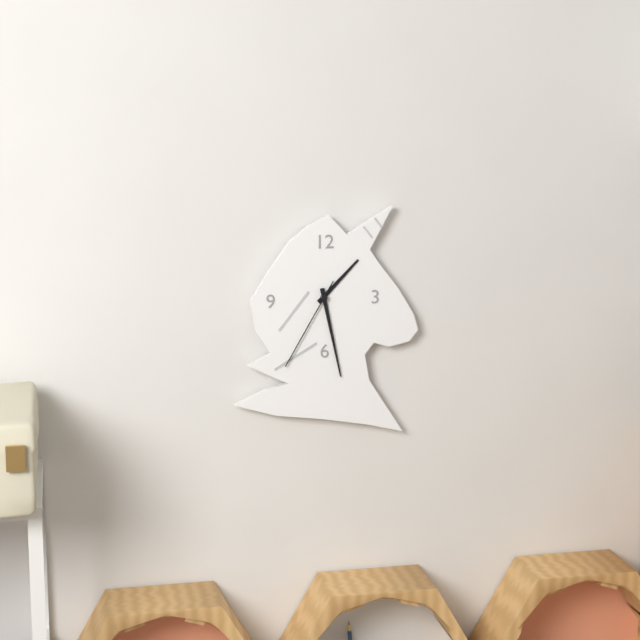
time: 1:28:35
